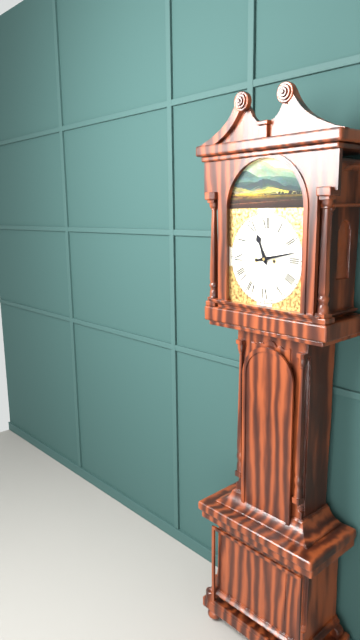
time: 11:13
